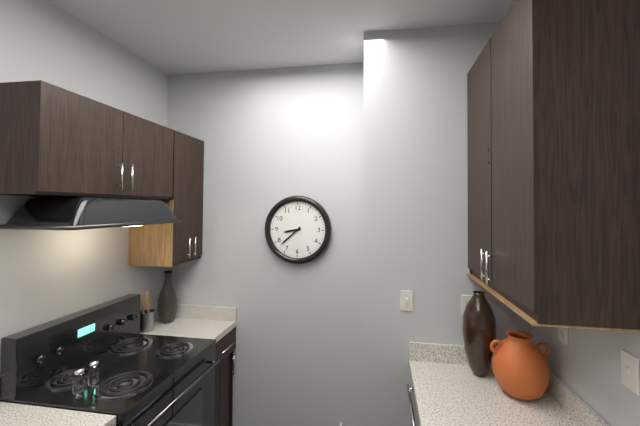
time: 8:38
